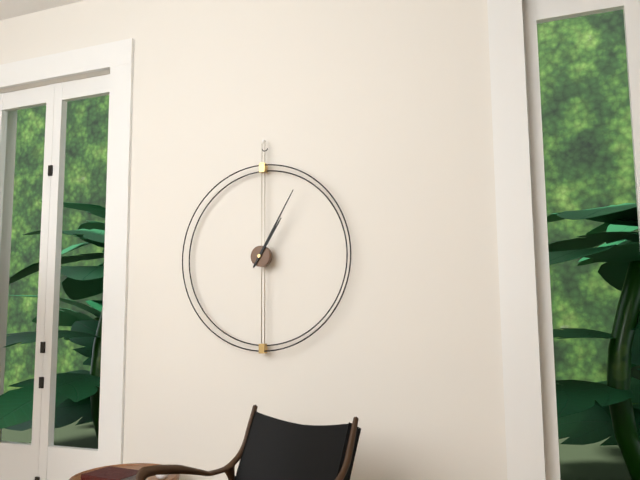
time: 1:05
